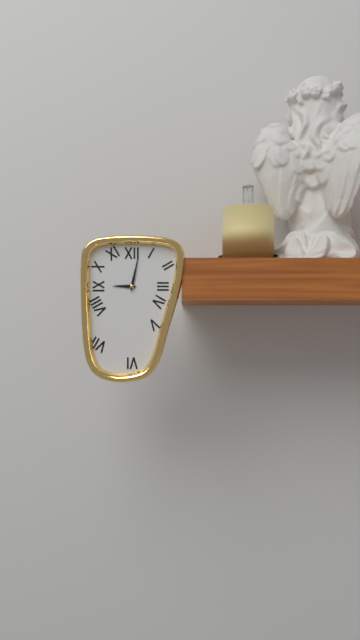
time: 9:02
